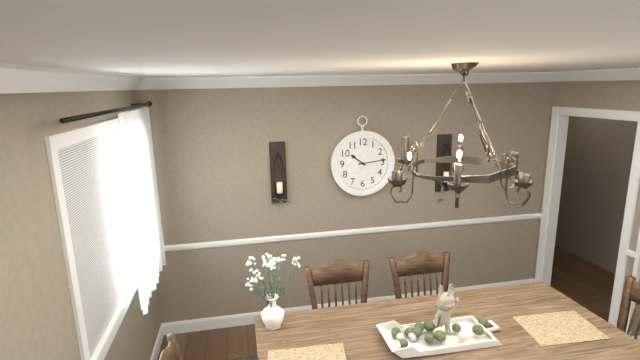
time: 10:14
